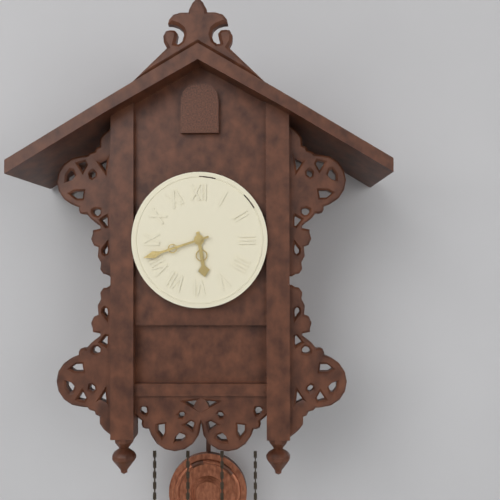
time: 5:42
